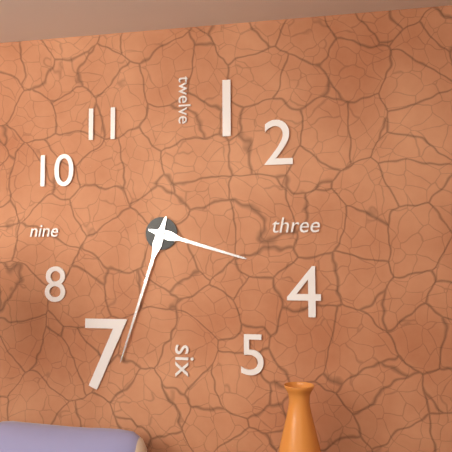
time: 3:33
